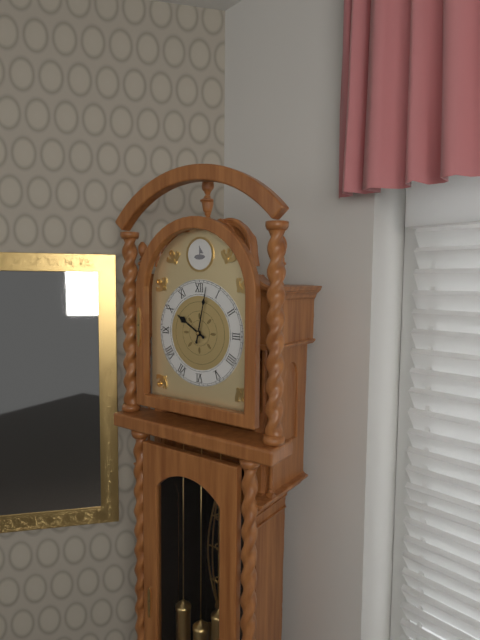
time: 10:02
